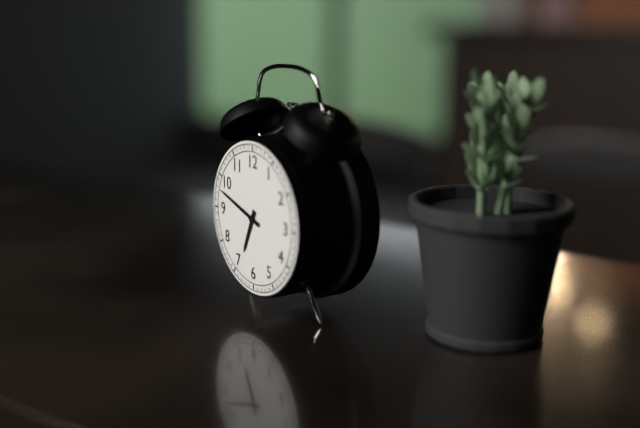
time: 6:48
